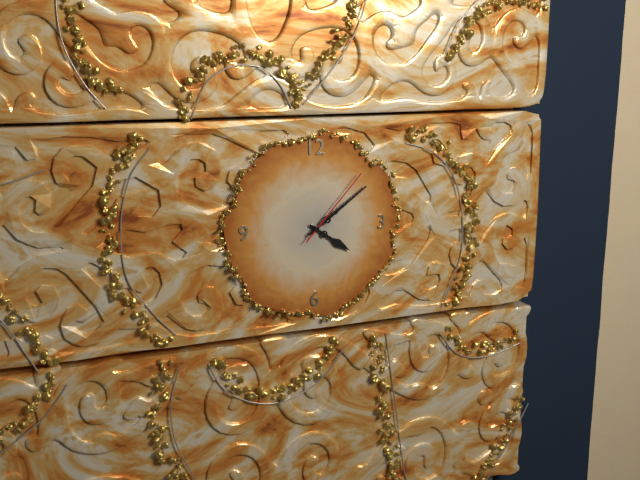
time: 4:09:07
